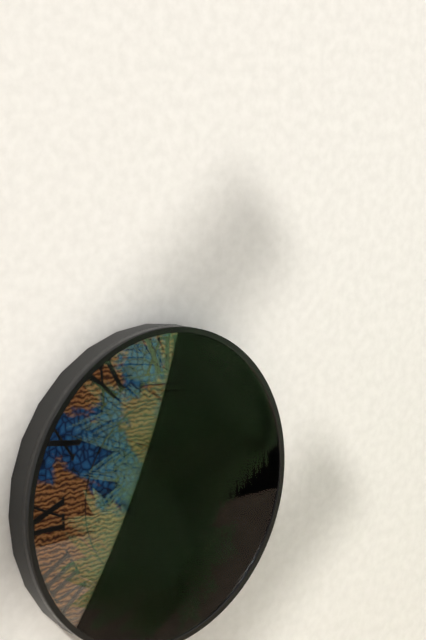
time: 12:05
